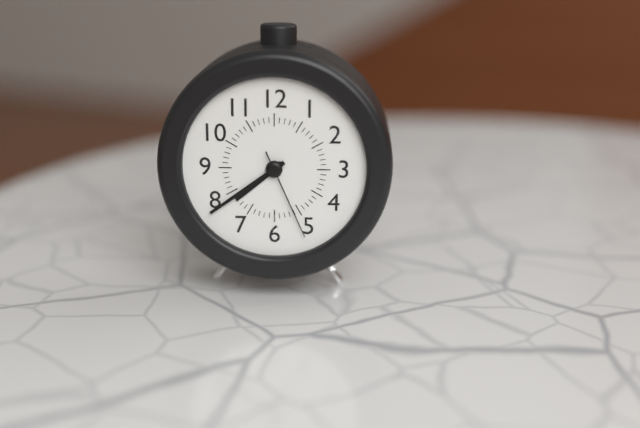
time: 7:39:26
